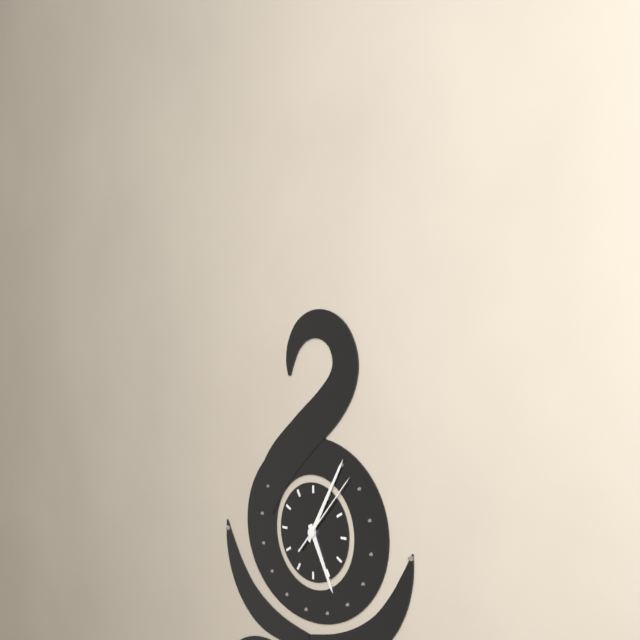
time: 5:05:07
